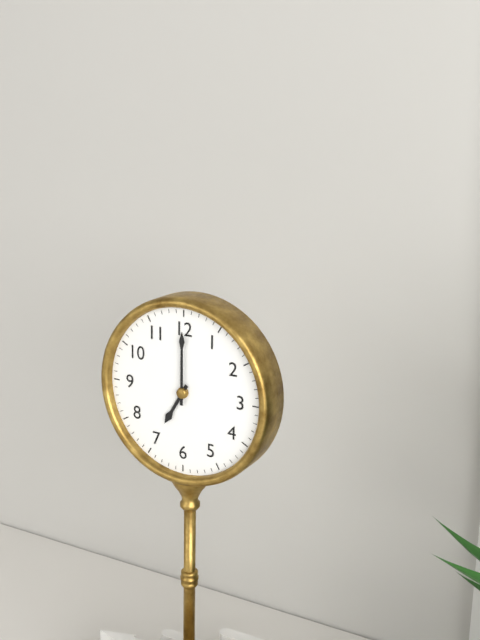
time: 7:00
